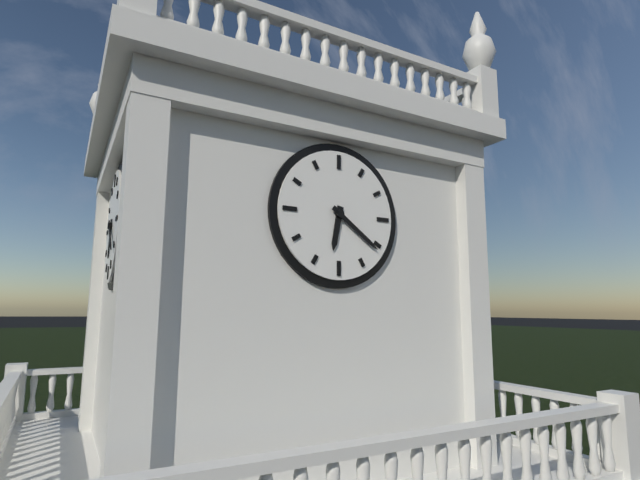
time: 6:21
